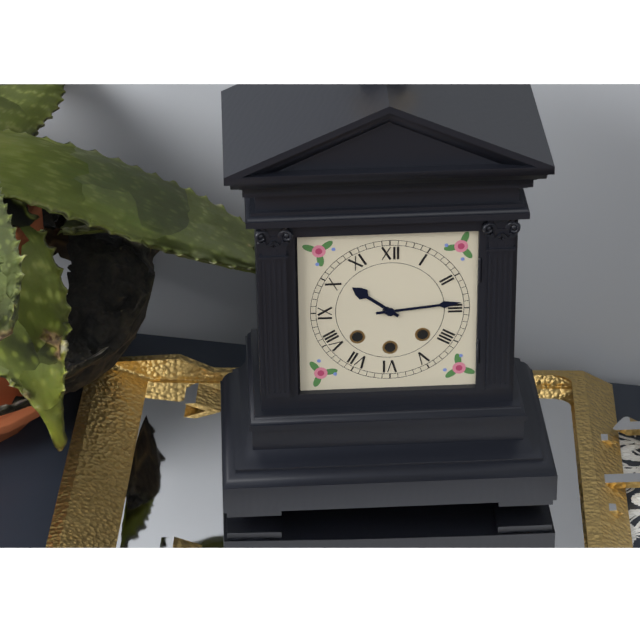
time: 10:14
